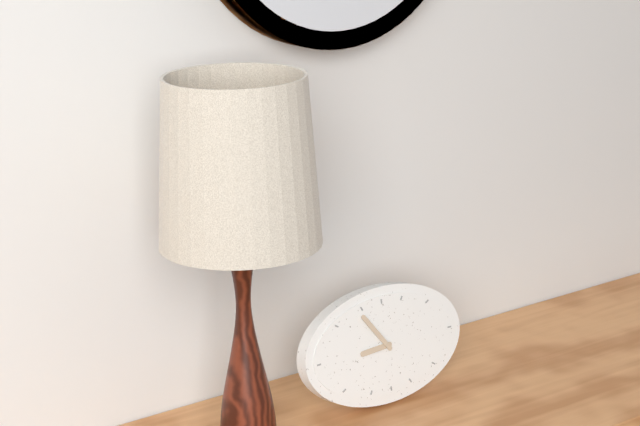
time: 8:54
